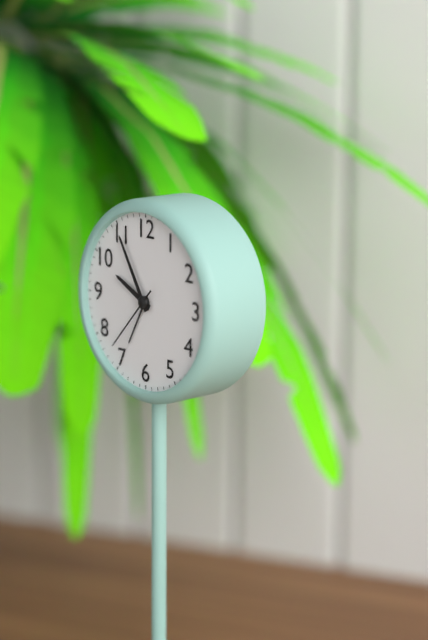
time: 9:55:37
